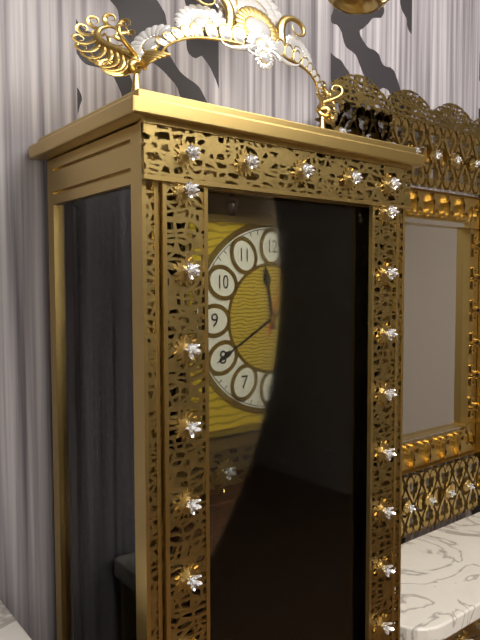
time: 11:40:03
